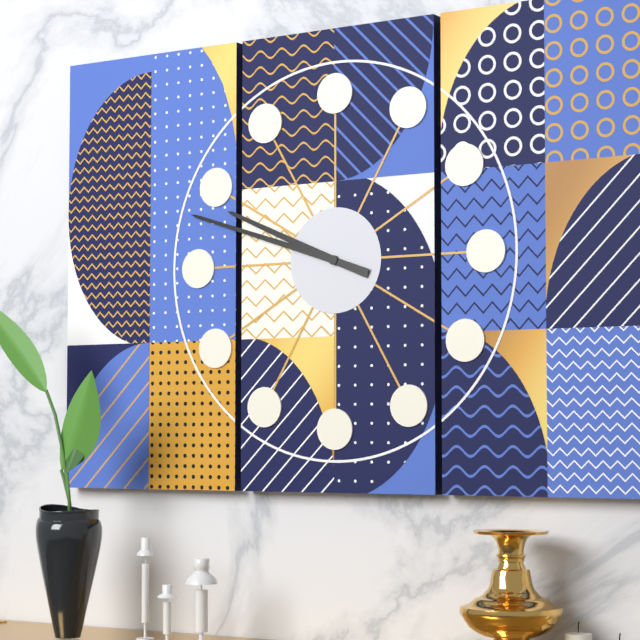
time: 9:48
